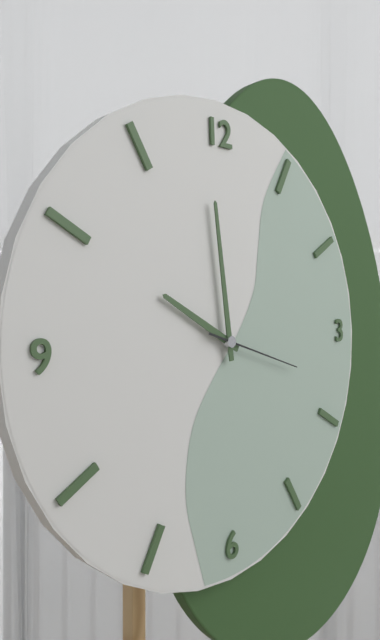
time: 9:59:18
